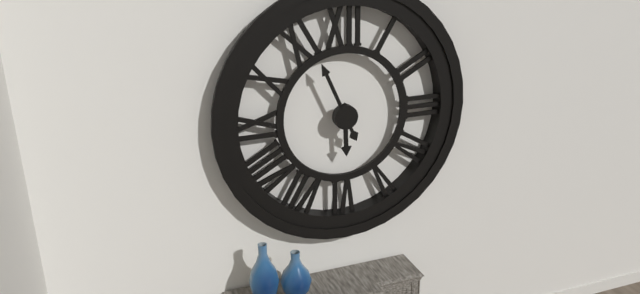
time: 5:56
